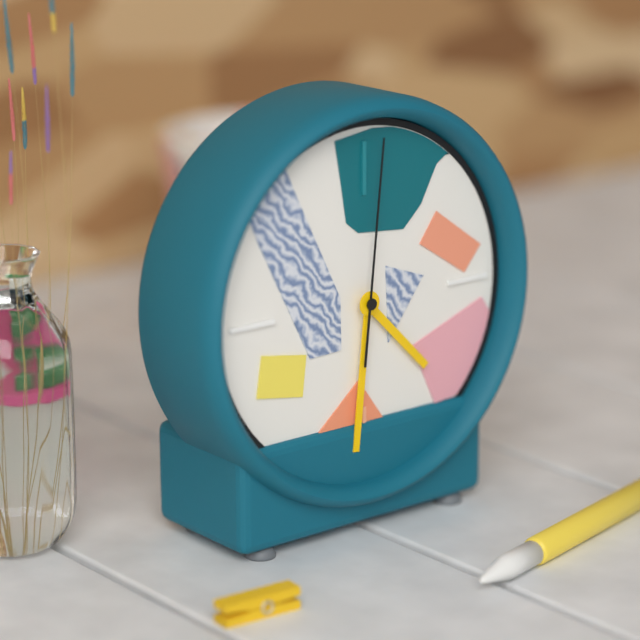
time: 4:31:01
